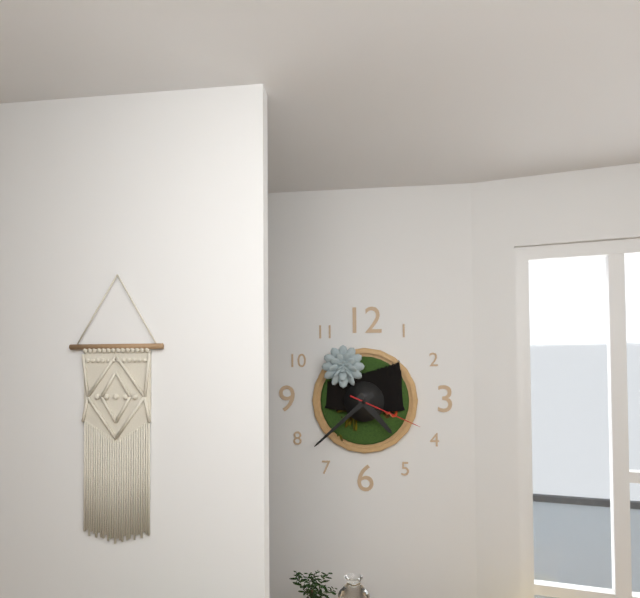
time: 4:38:19
